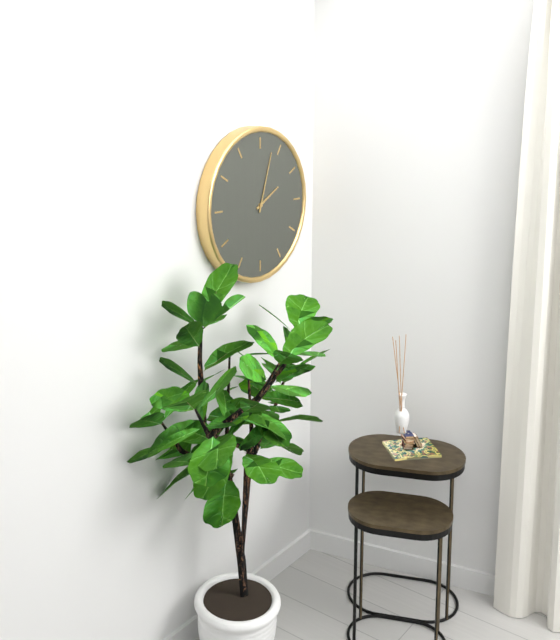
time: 2:03
